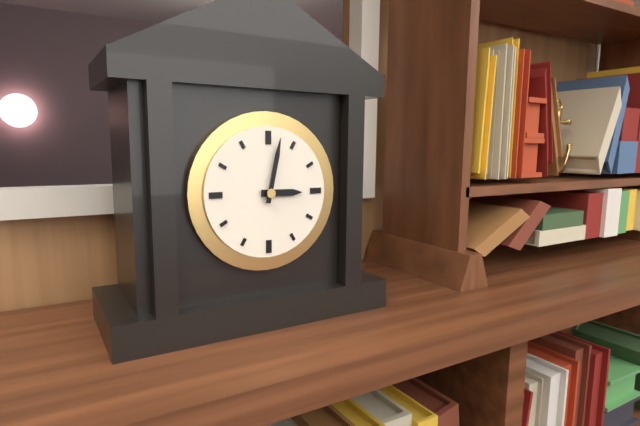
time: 3:02
